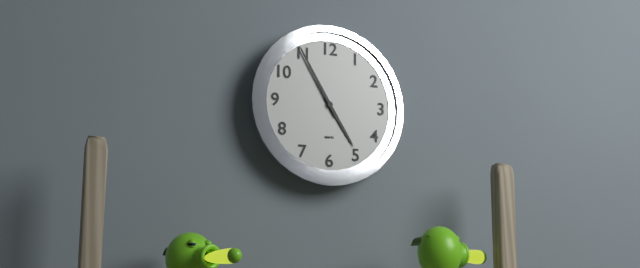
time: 4:55
